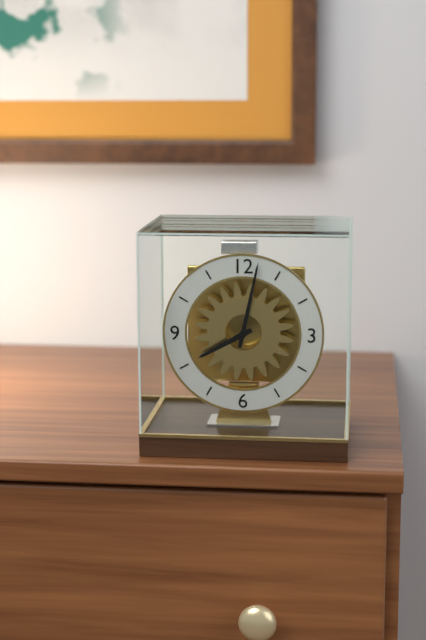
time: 8:02
